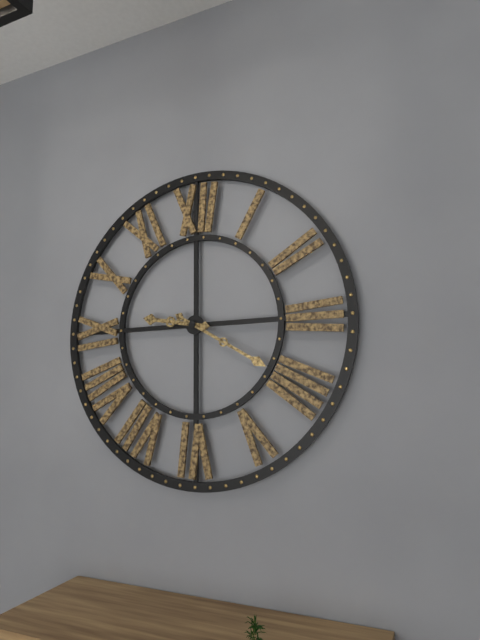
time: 9:20
